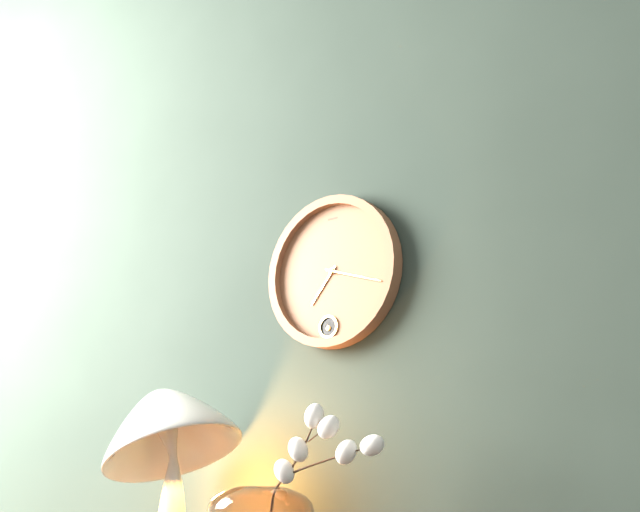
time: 7:18
